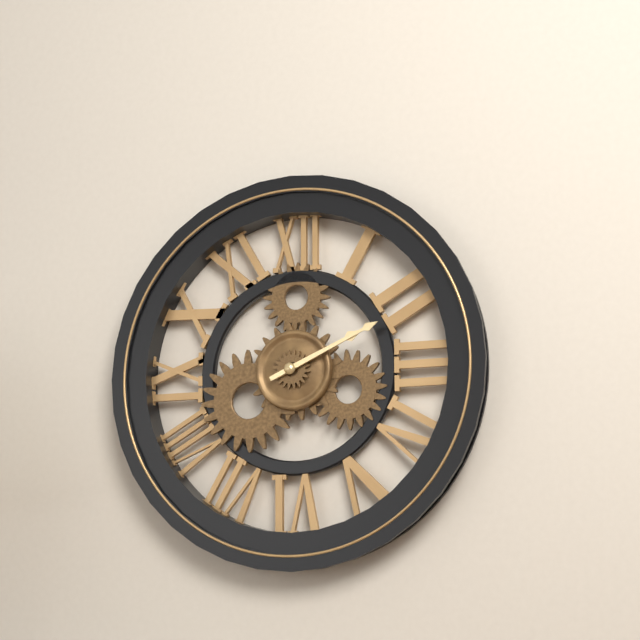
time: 2:11
